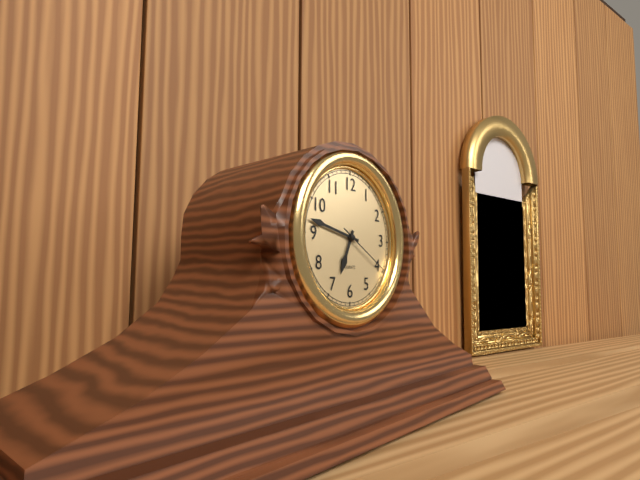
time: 6:47:20
